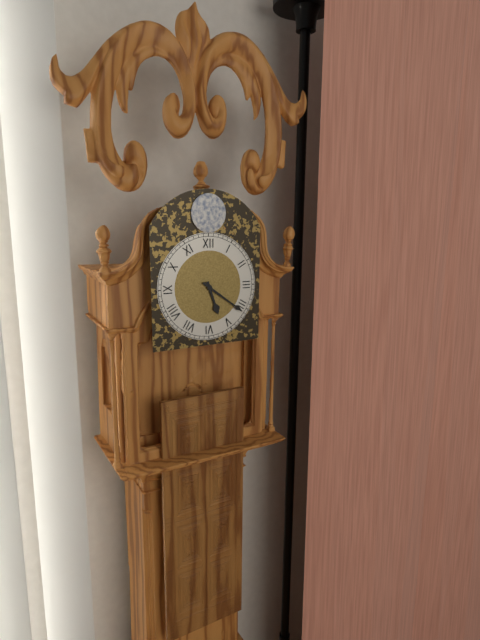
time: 5:21
